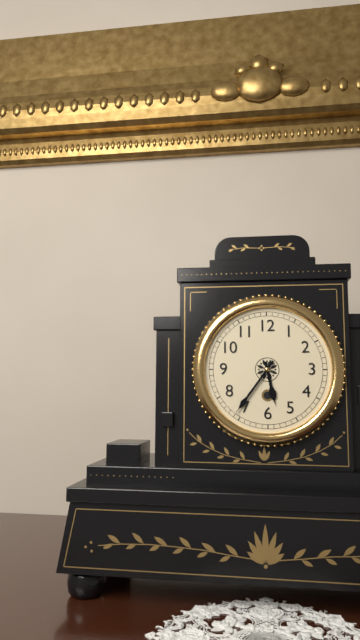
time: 5:36
